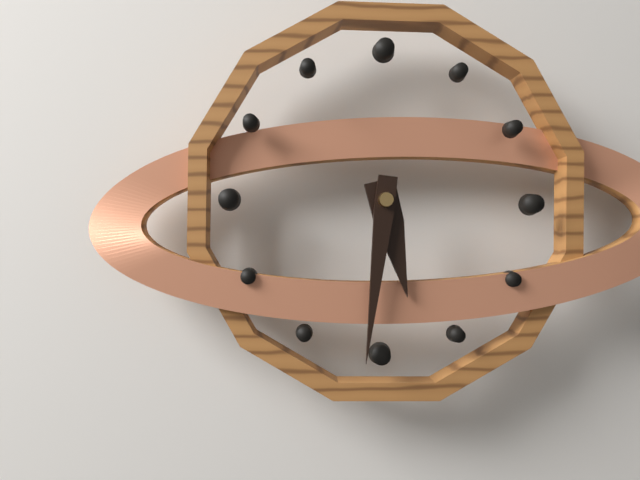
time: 5:31
